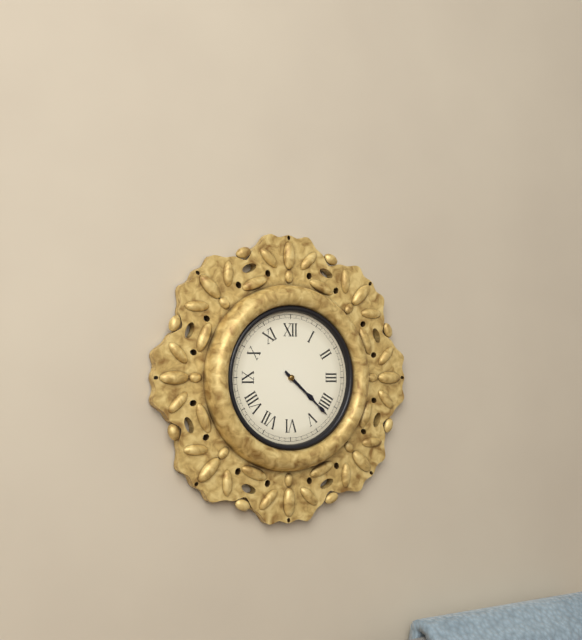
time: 4:22
